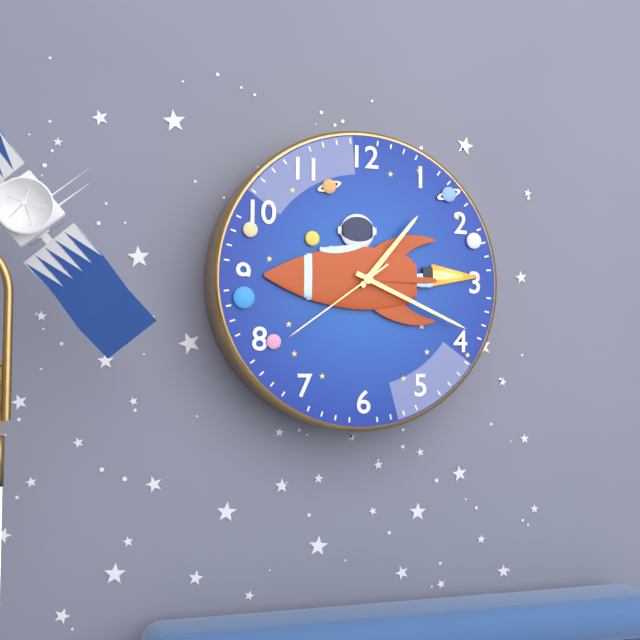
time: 1:19:39
